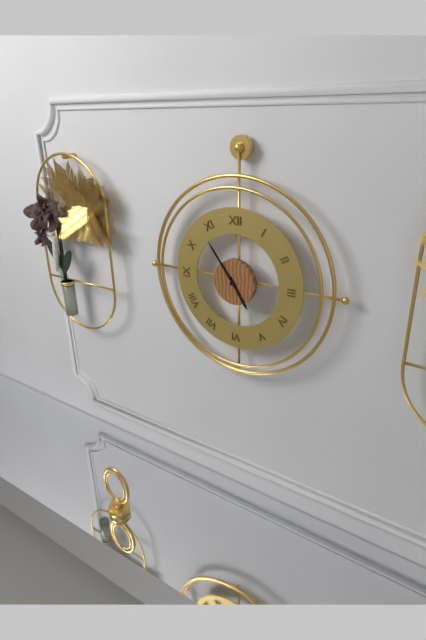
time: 4:54
